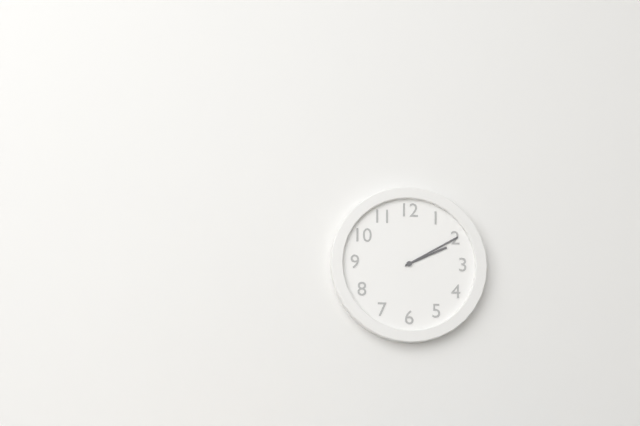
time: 2:10
